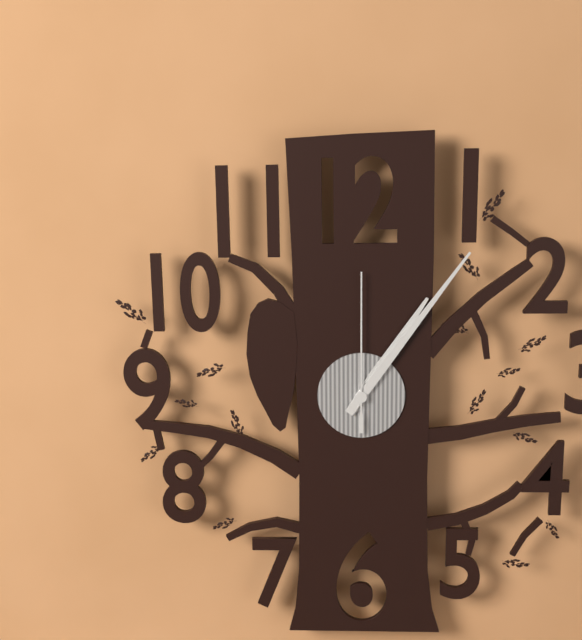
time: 1:06:00
